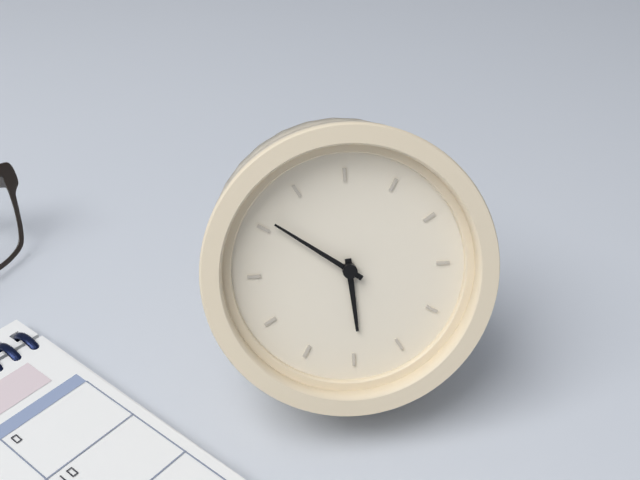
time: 5:51
